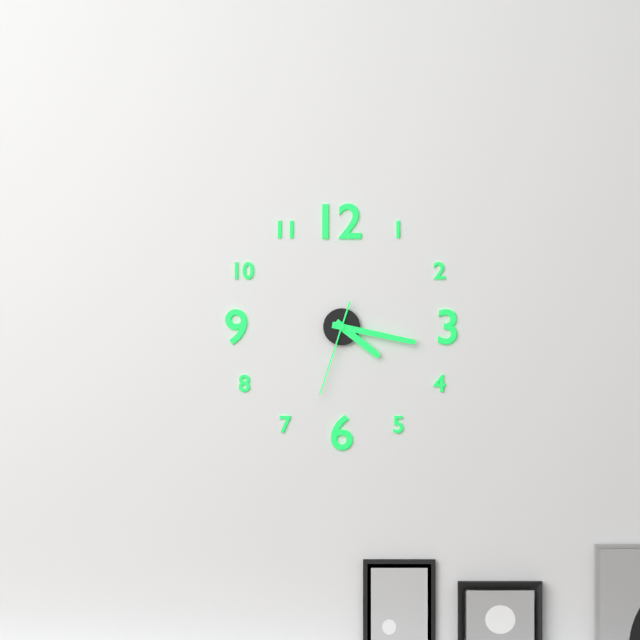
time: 4:17:33
